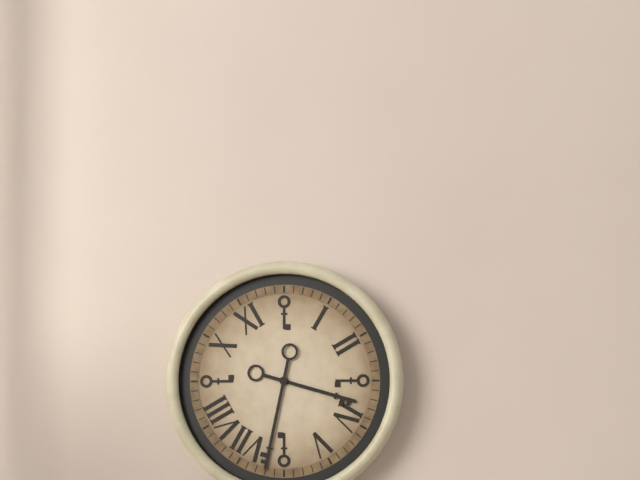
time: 3:32
